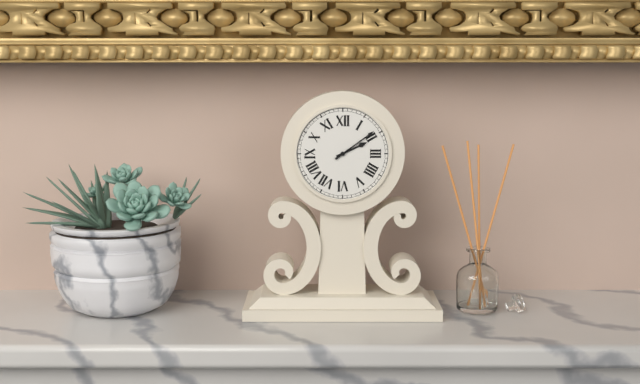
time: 2:09
